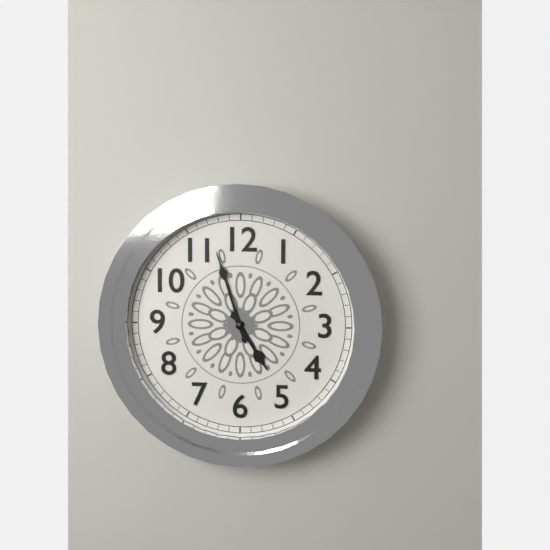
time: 4:57
